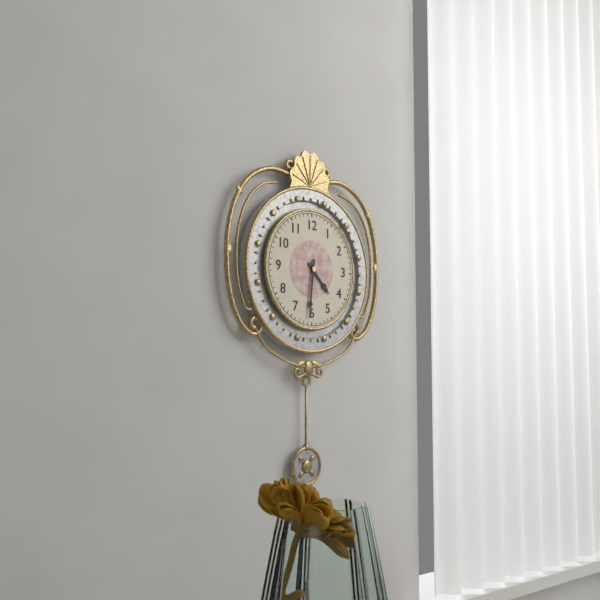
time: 4:31
